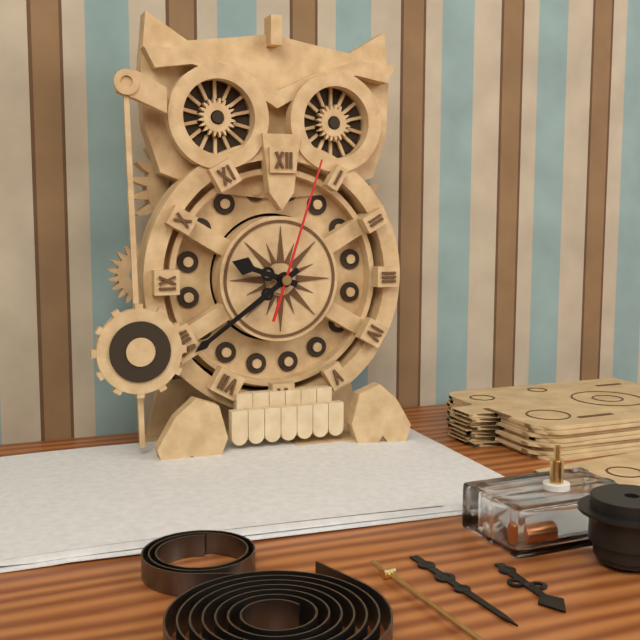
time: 9:39:03
